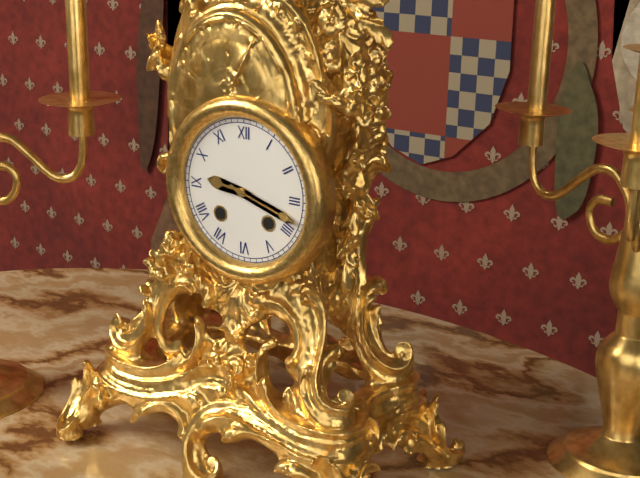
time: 9:18
